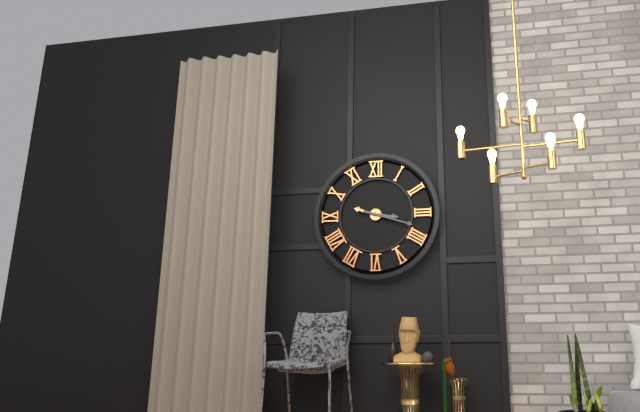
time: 3:18
